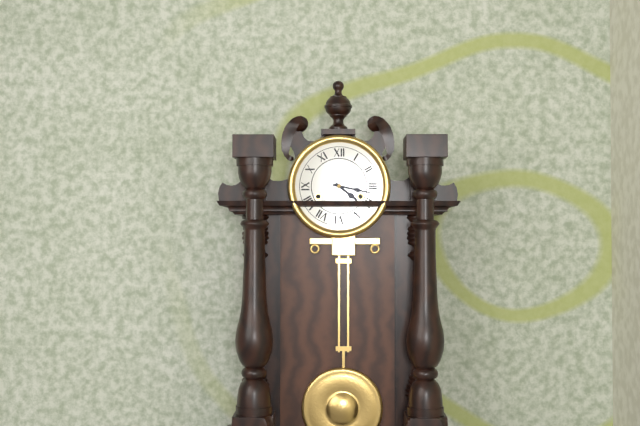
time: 4:17
